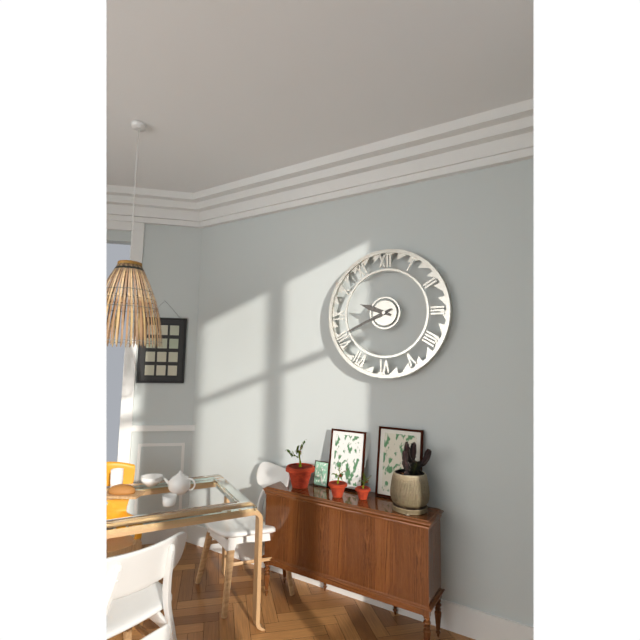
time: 9:41
